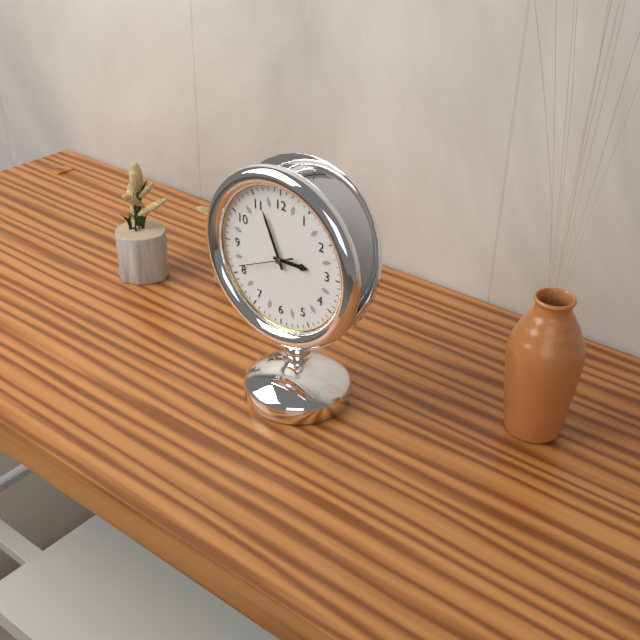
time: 2:56:41
